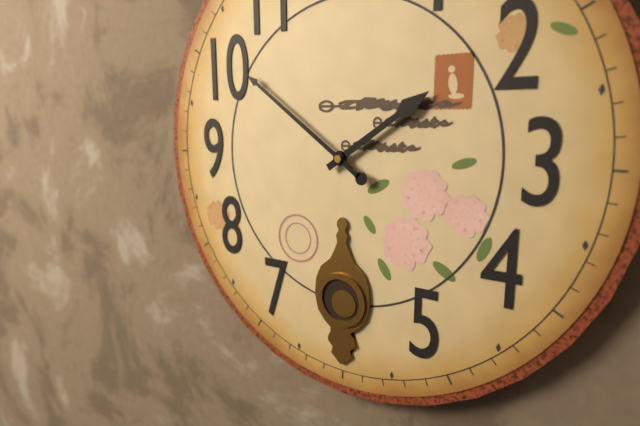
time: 1:51
